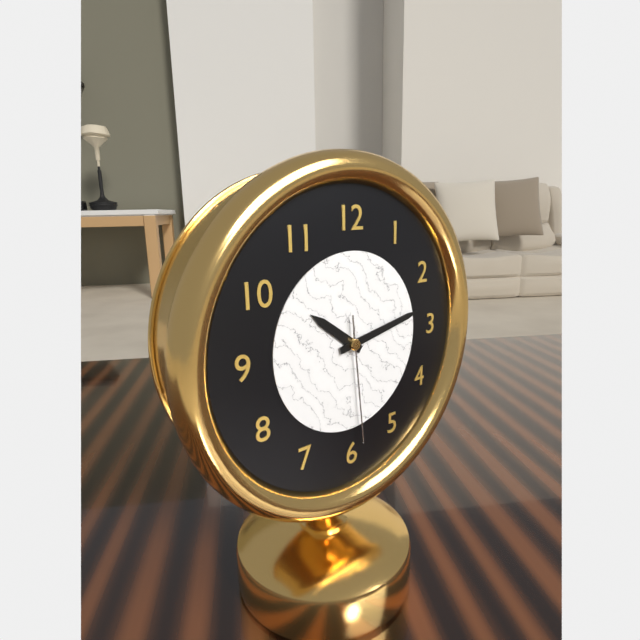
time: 10:13:29
